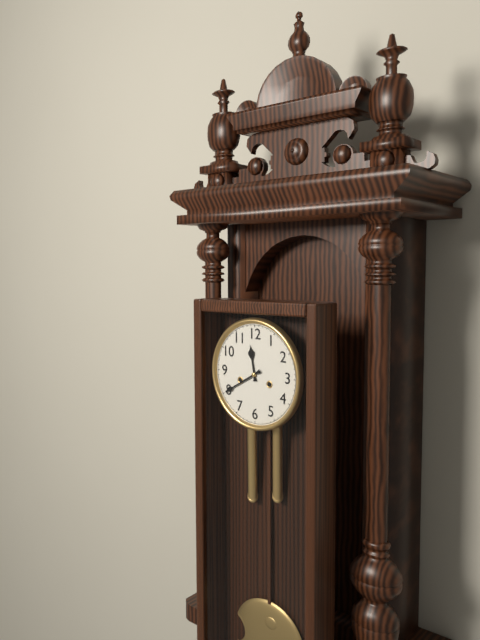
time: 11:40
